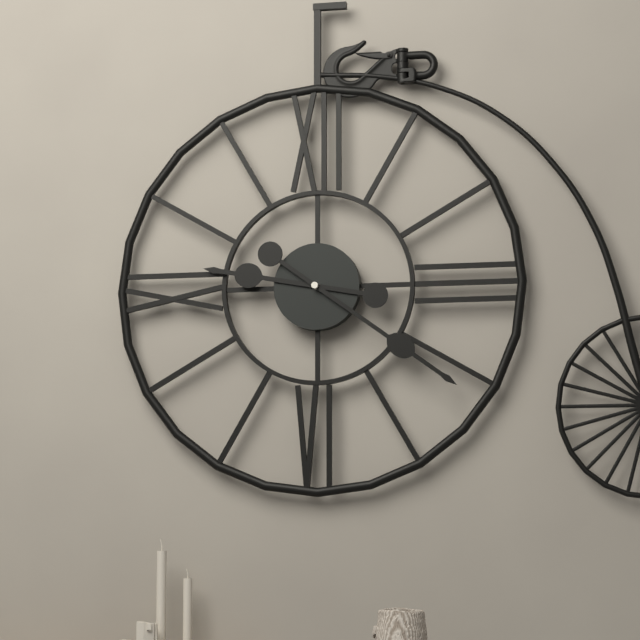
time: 9:21
